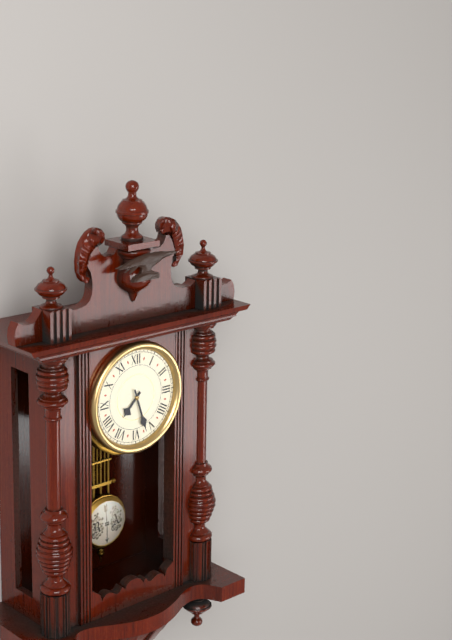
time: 7:27
